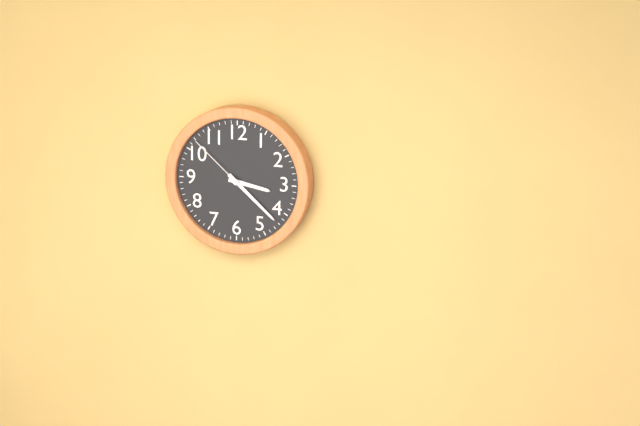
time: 3:22:52
